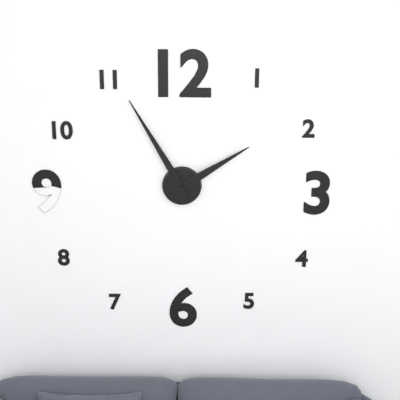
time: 1:55
